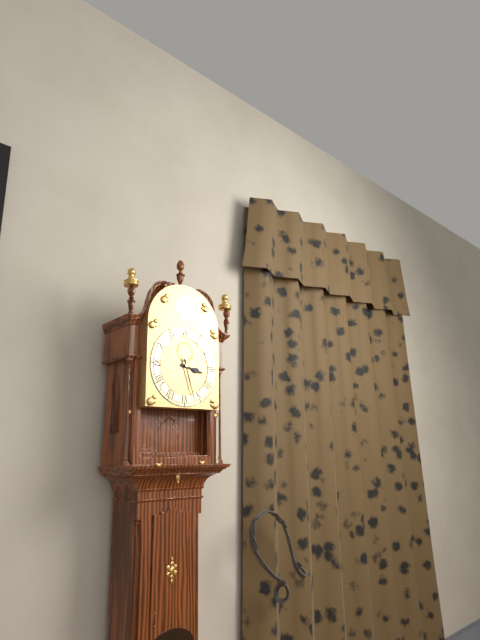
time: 3:27
